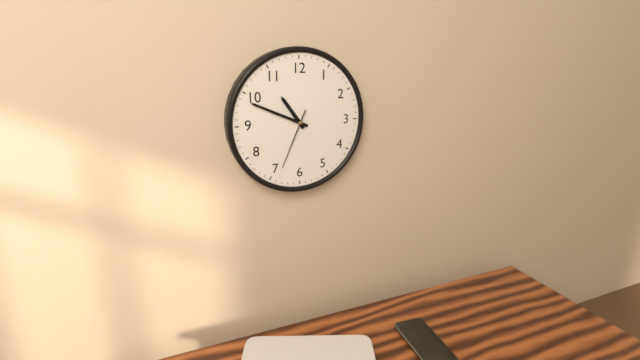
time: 10:49:34
